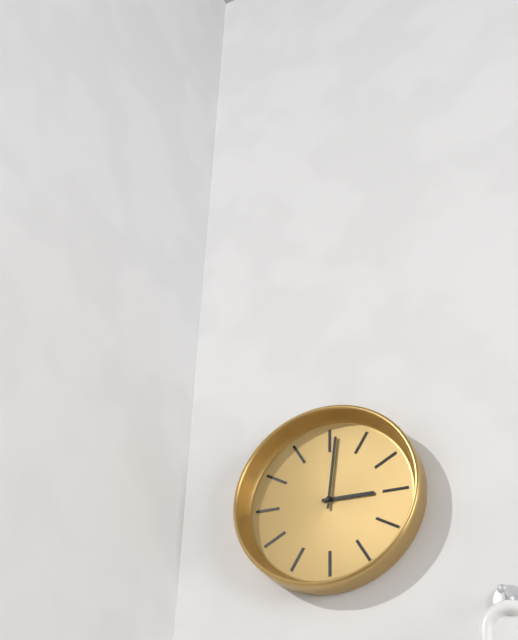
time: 3:01
